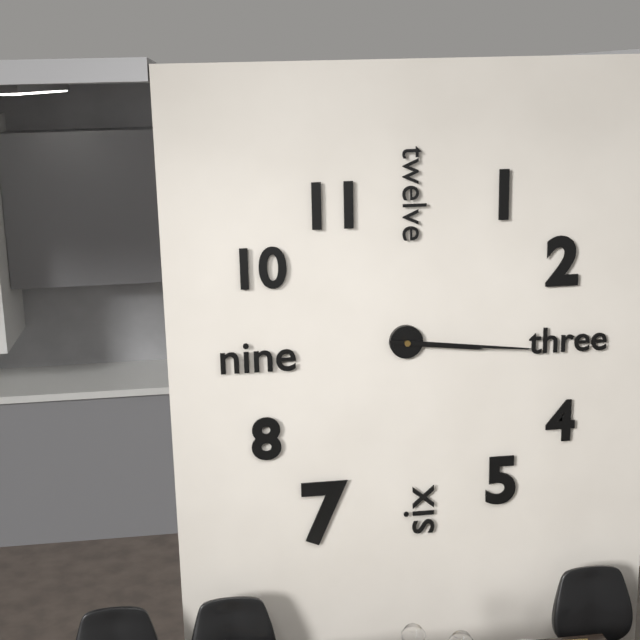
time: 3:16
